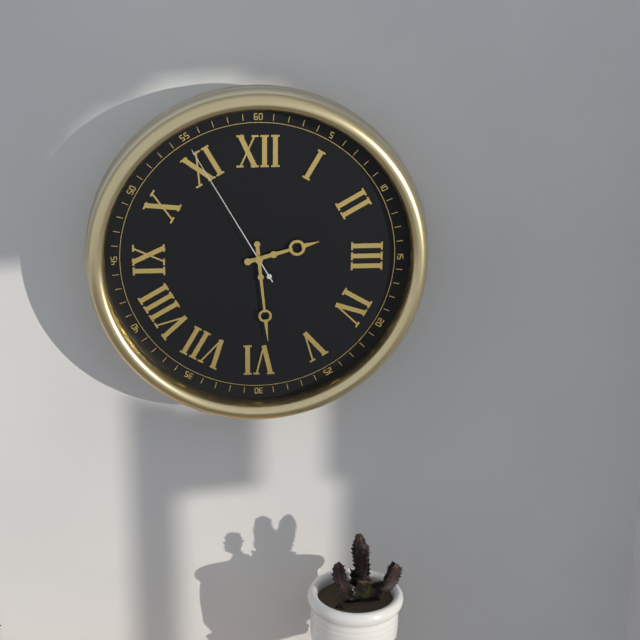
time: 2:29:55
